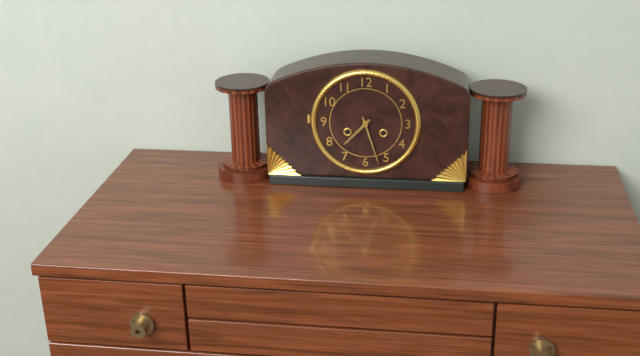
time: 7:27
